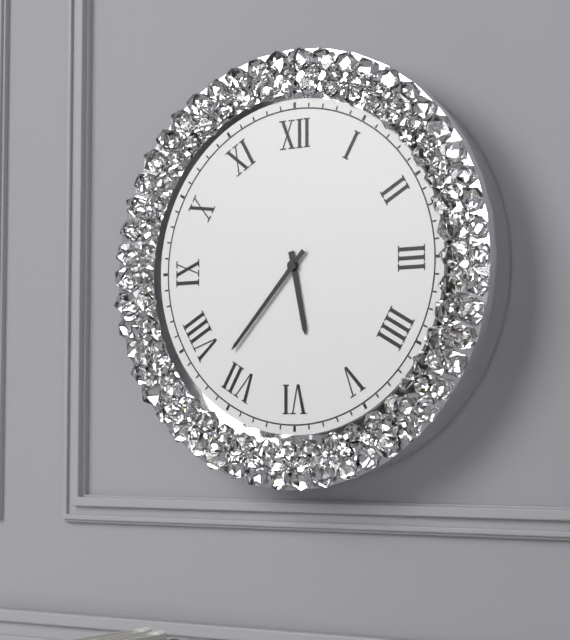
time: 5:37
